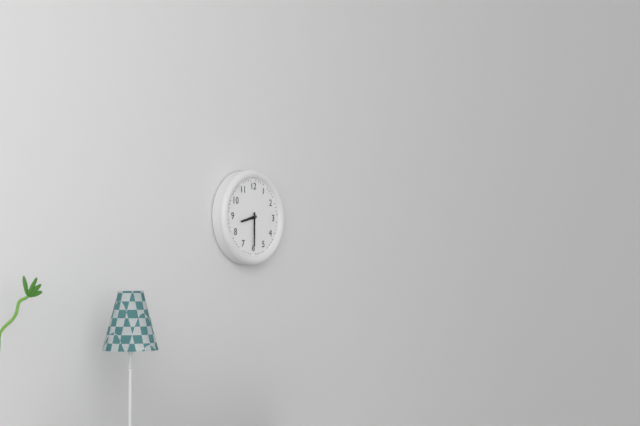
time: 8:30
